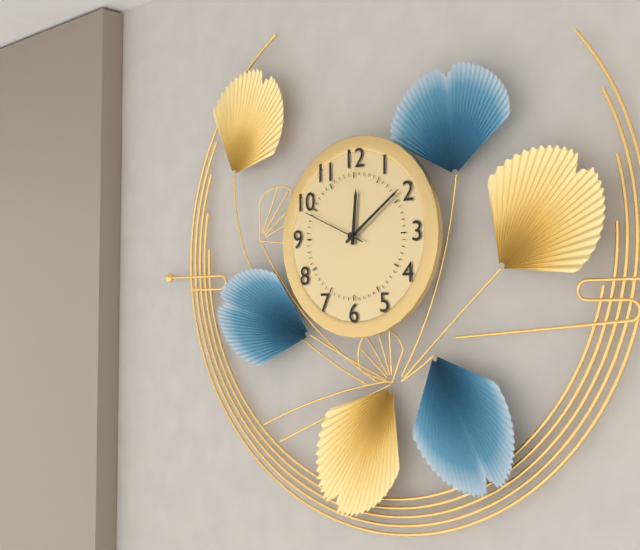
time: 12:09:49
